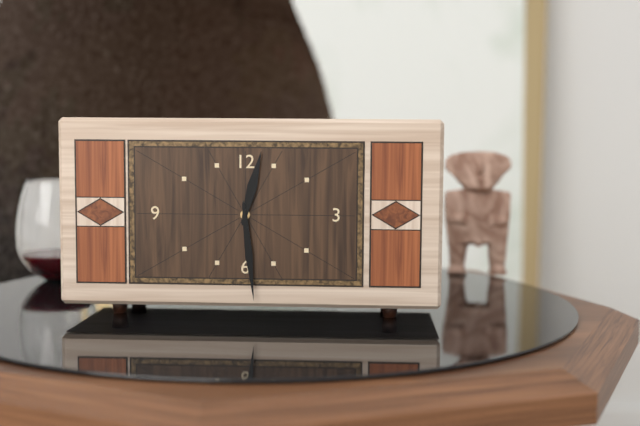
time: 12:29
